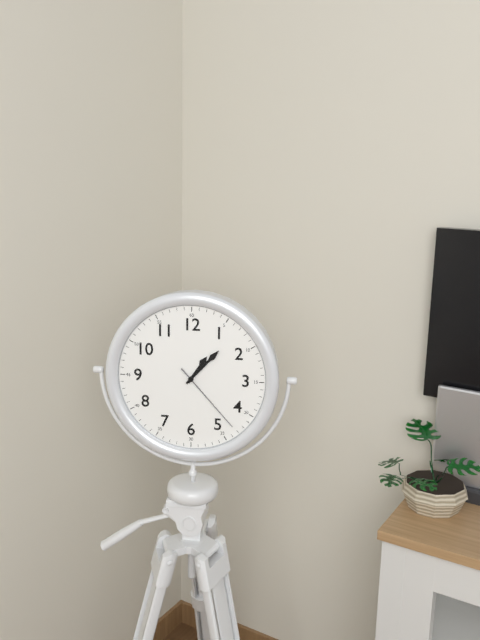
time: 1:07:23
